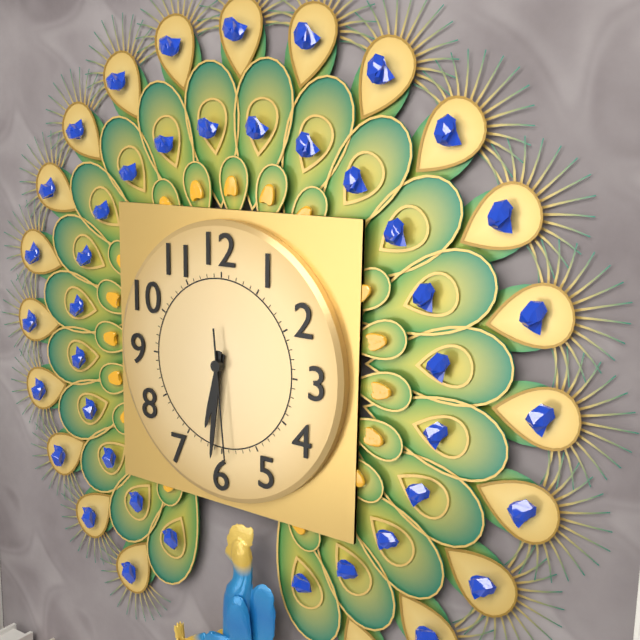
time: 6:31:29
